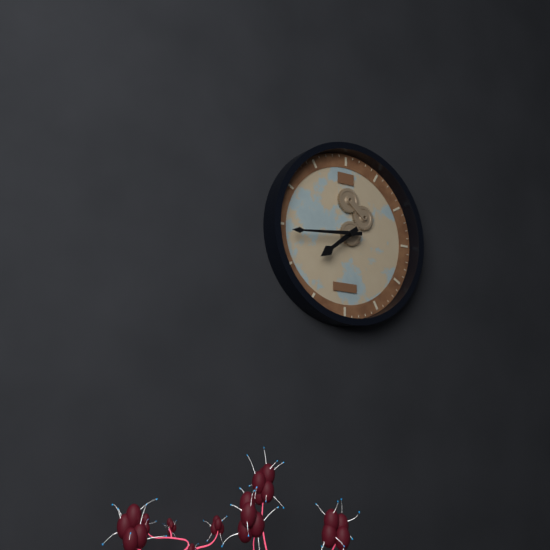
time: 7:44
